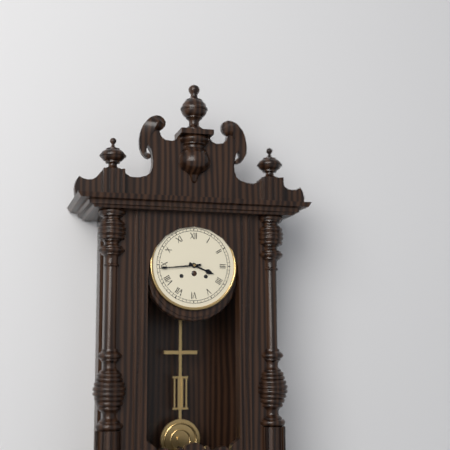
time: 3:44
